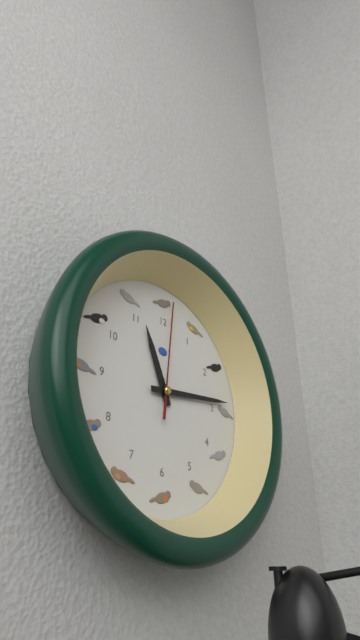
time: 11:14:01
